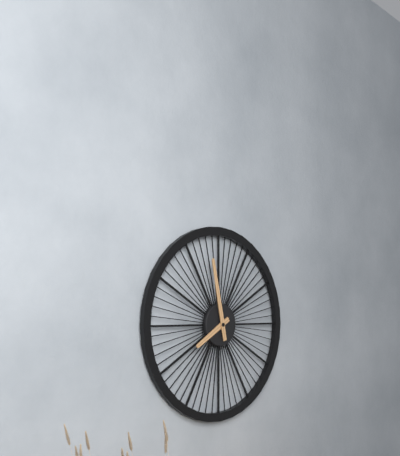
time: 7:58
